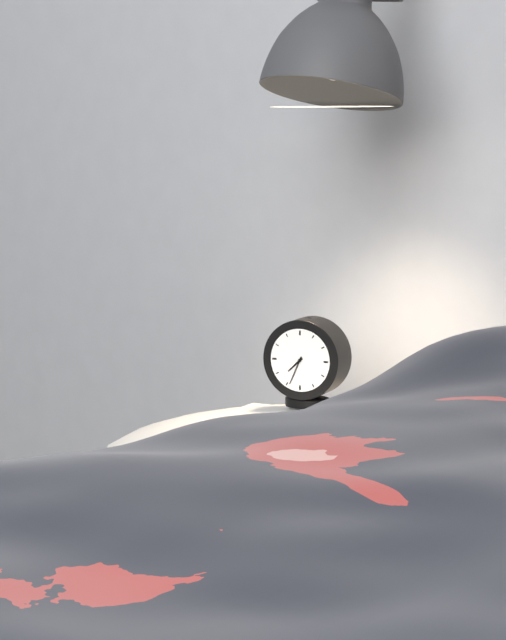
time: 7:34
